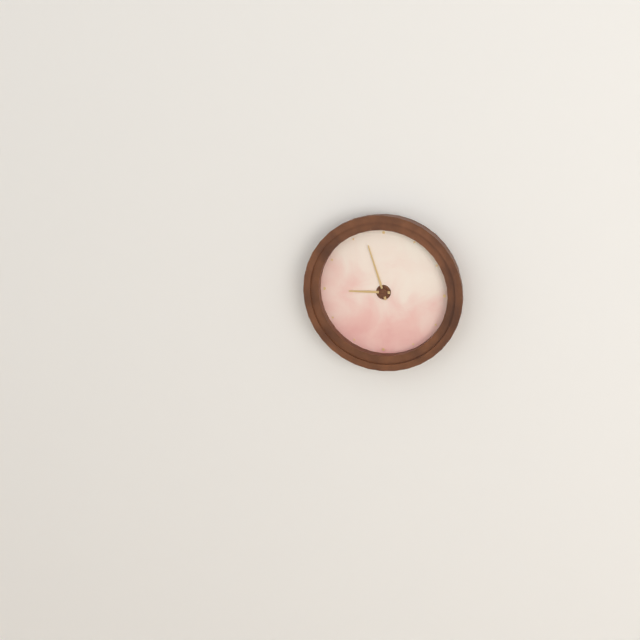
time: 8:57
